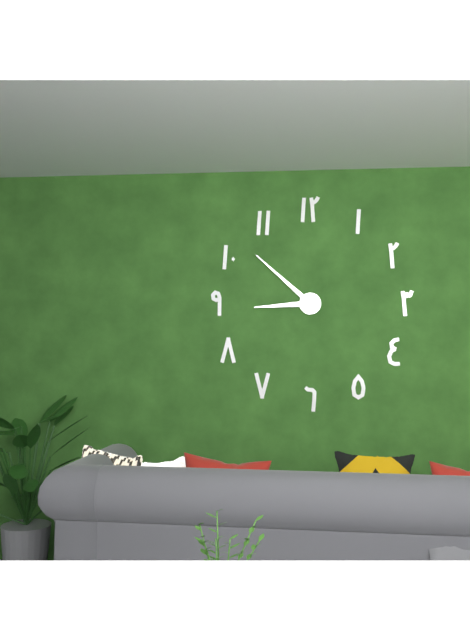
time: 8:52
